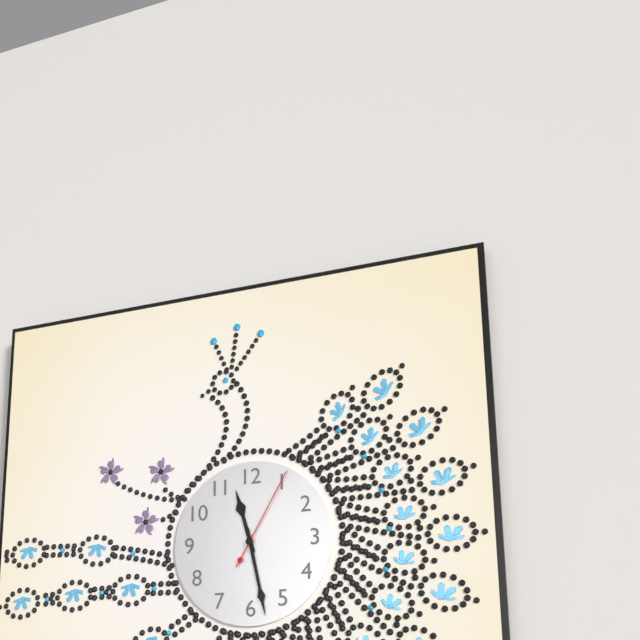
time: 11:28:05
